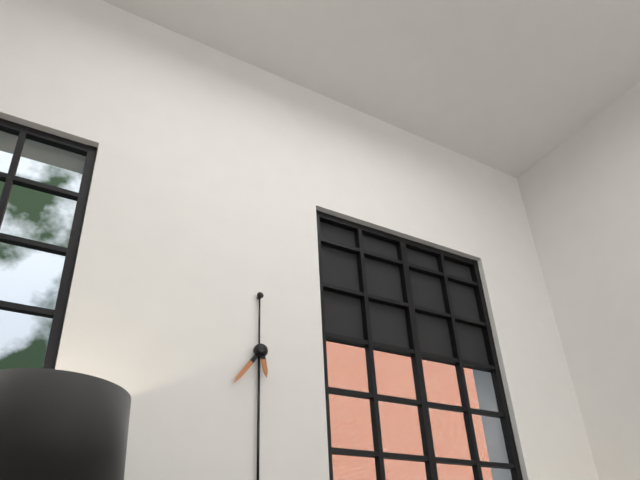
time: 5:36
